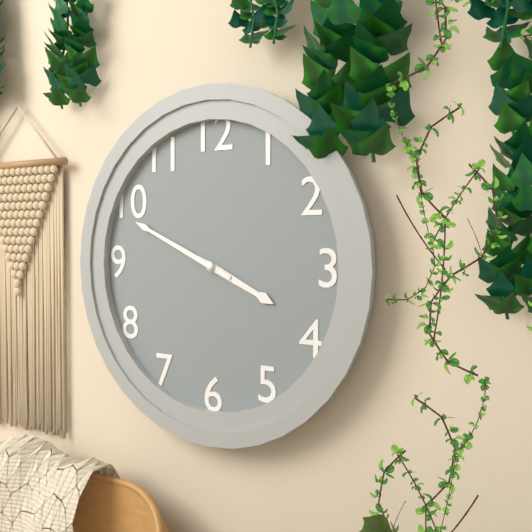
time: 3:49
